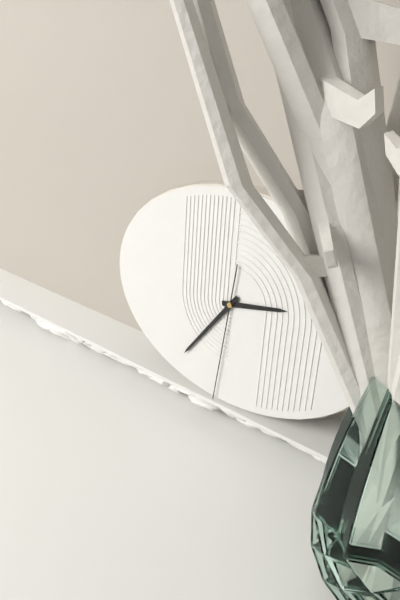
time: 2:36:31
